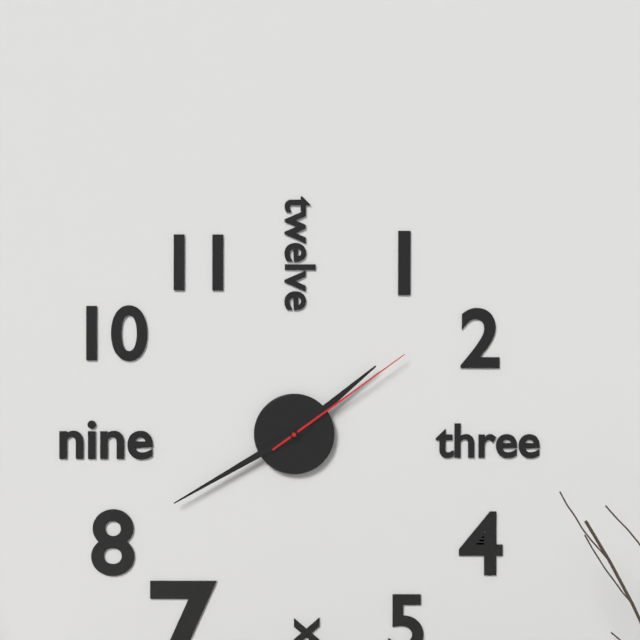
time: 1:40:09
